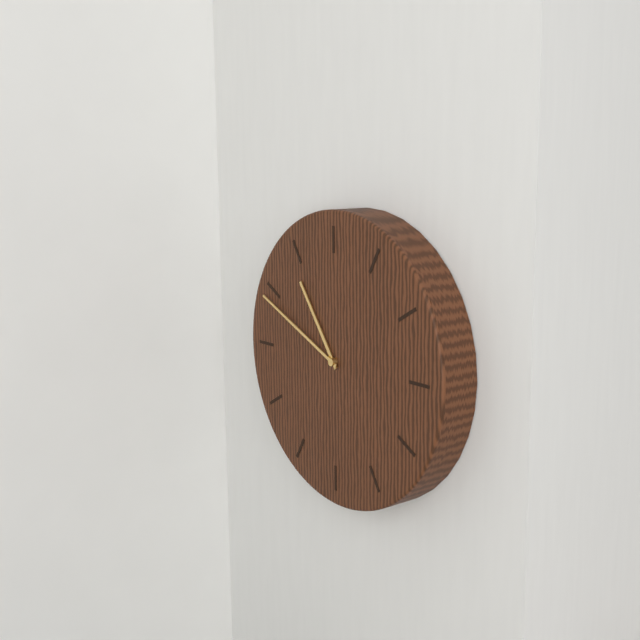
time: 10:49
